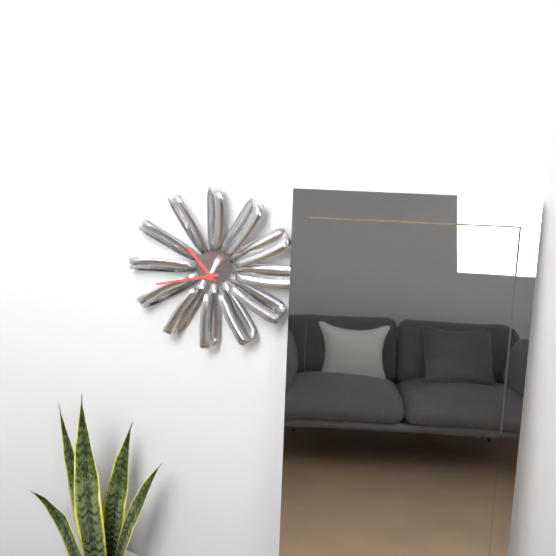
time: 10:43
